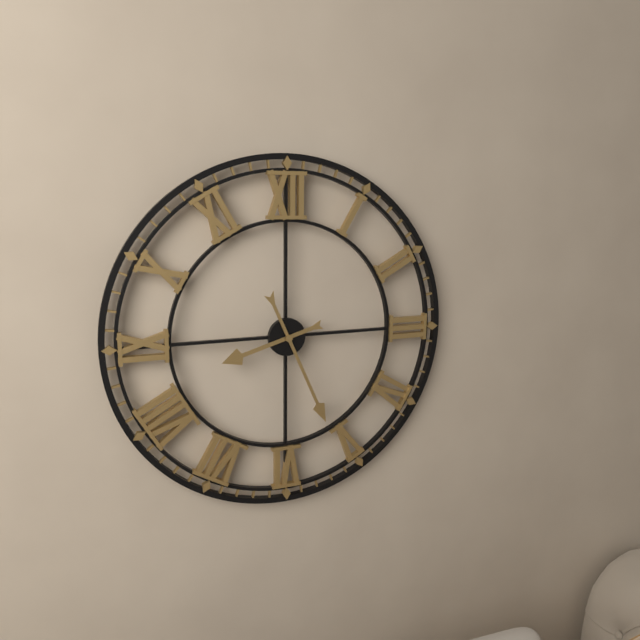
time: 8:26
